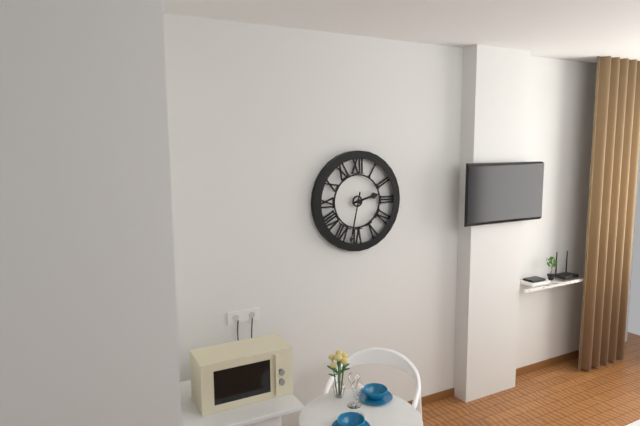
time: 2:32
